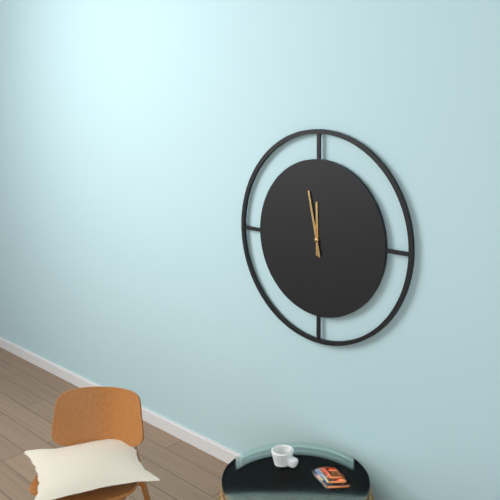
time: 11:58
